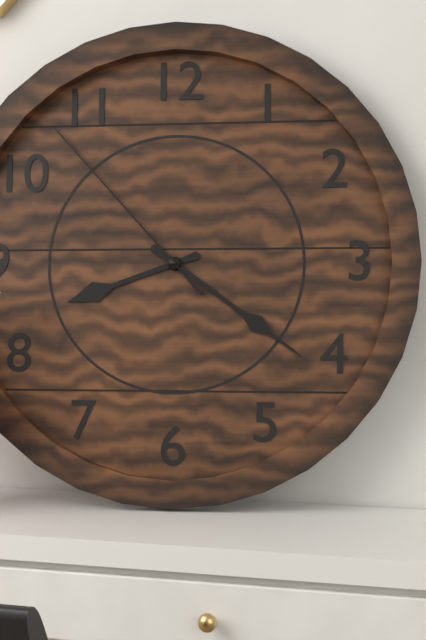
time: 8:21:53
